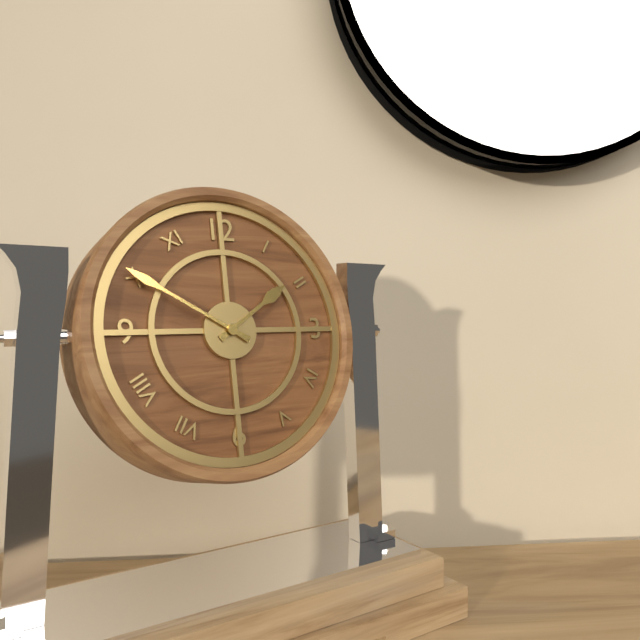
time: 1:50
